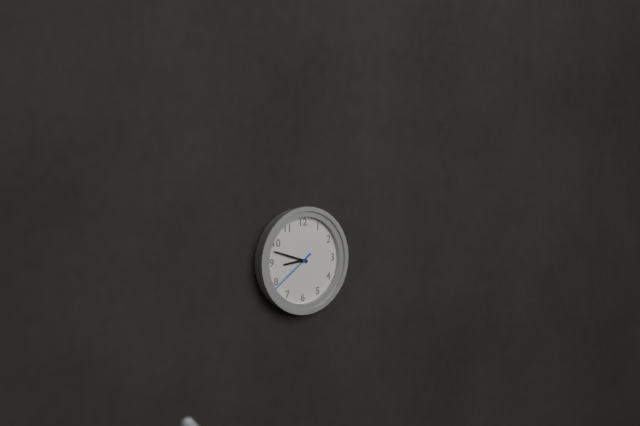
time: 8:48:39
